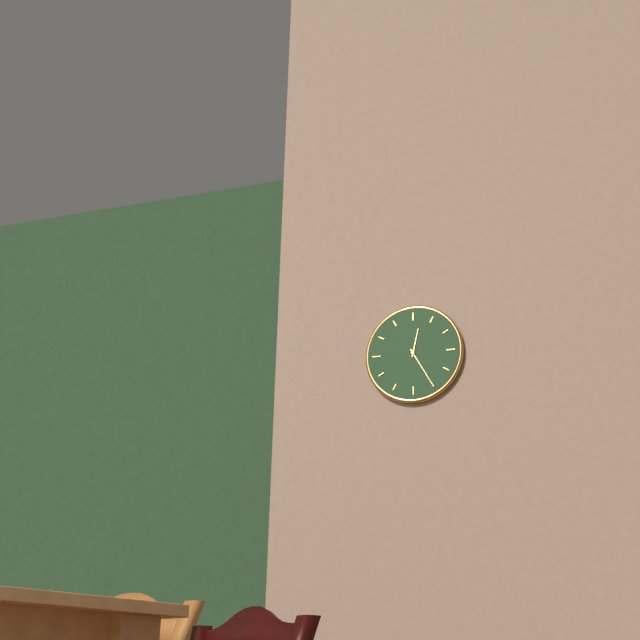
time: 12:25
